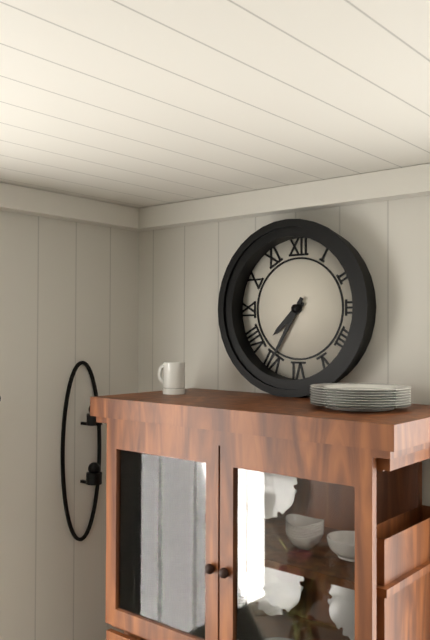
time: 7:35
